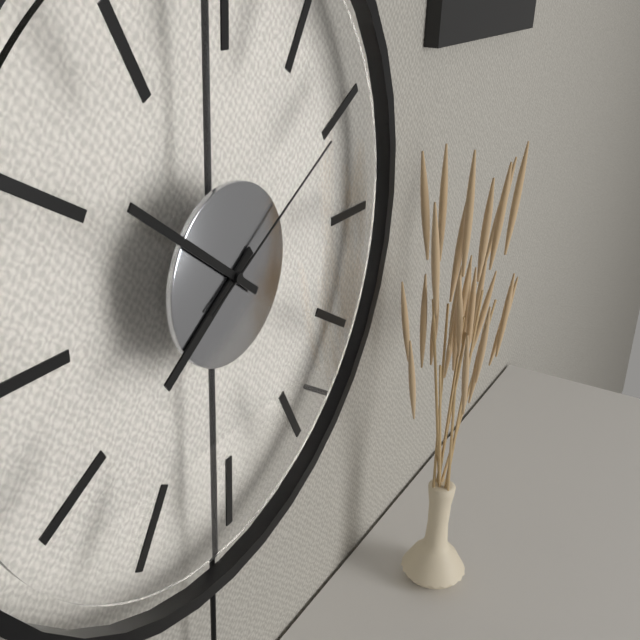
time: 7:51:10
